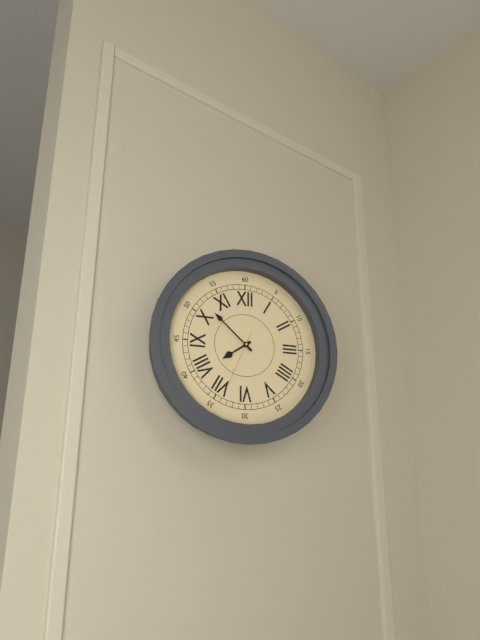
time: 7:52:34
